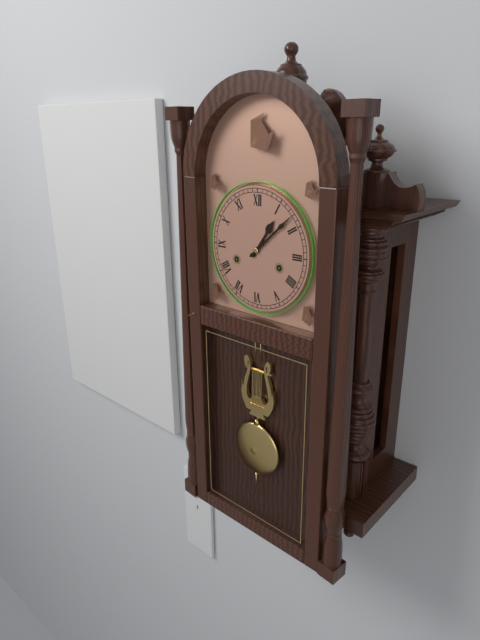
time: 1:08
